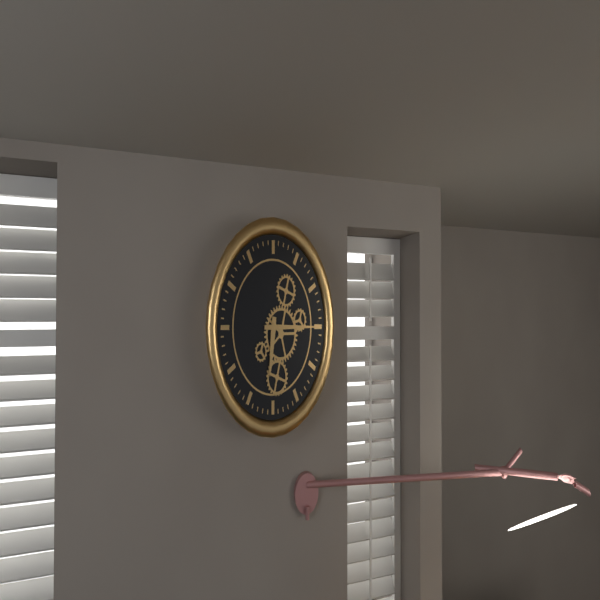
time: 6:15
